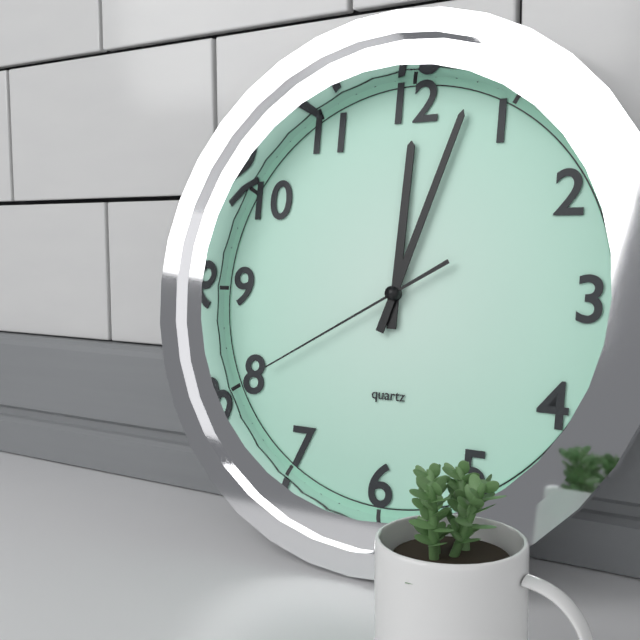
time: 12:03:40
